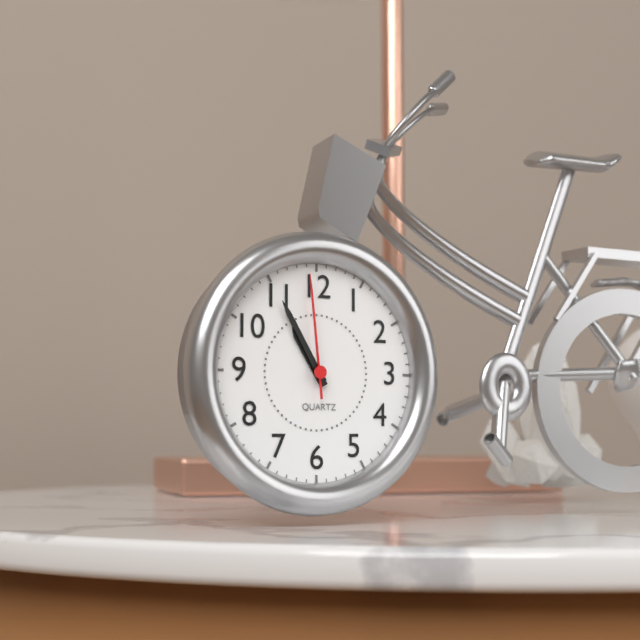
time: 10:55:59
